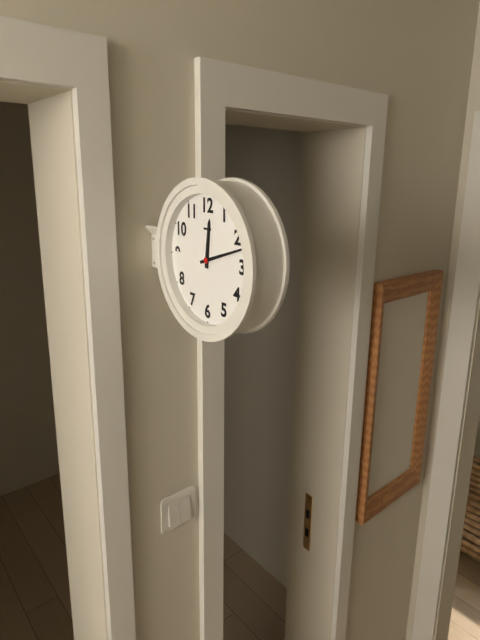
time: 12:12
